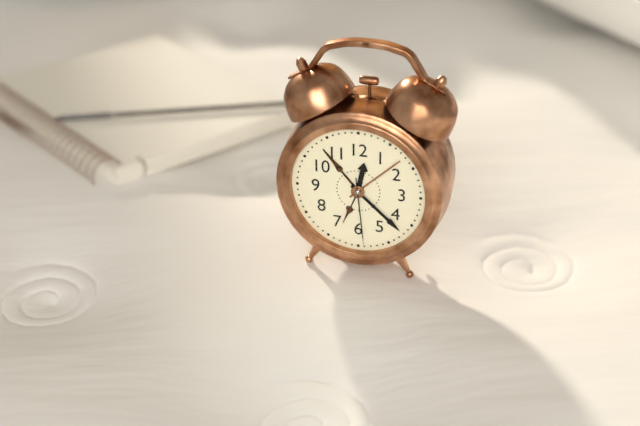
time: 12:22:29
